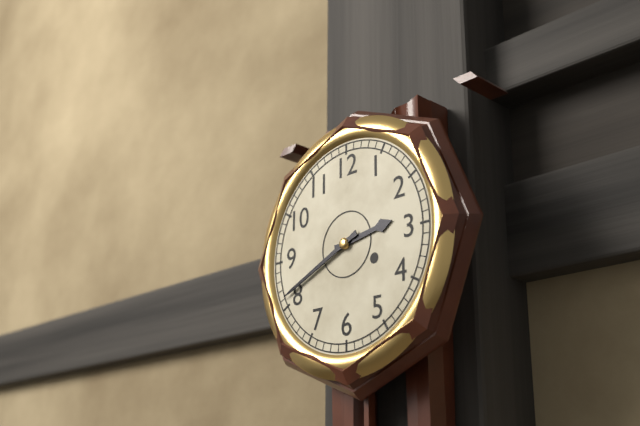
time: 2:41
